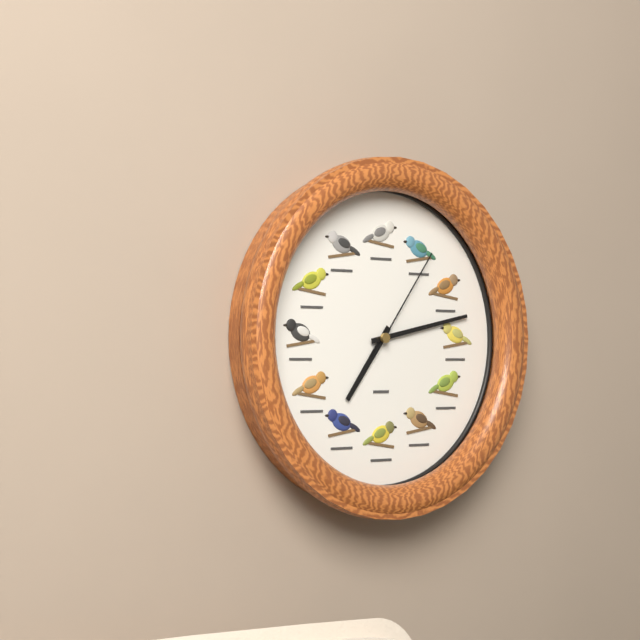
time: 7:13:06
